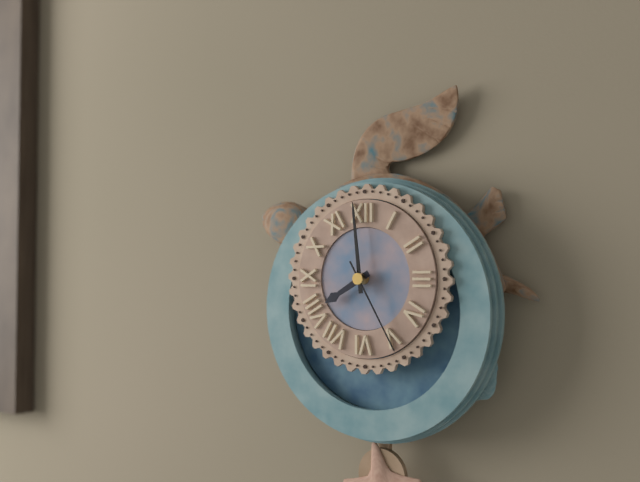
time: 7:59:25
